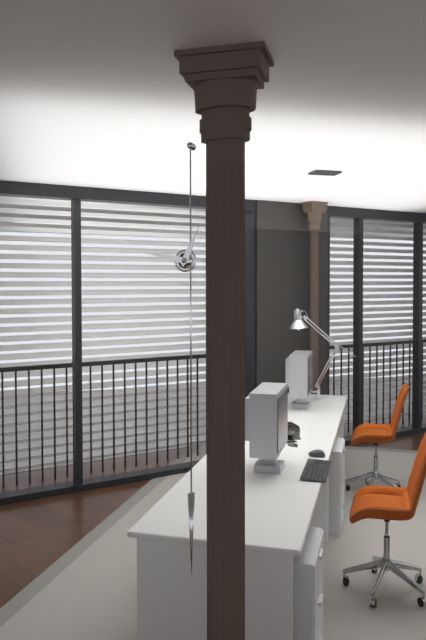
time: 12:47
